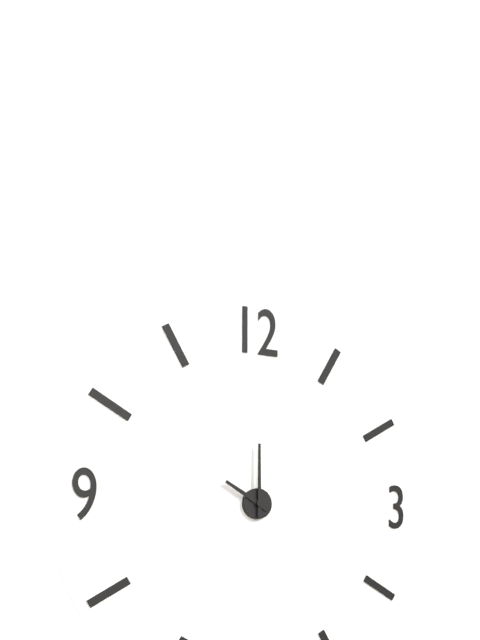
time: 10:00
